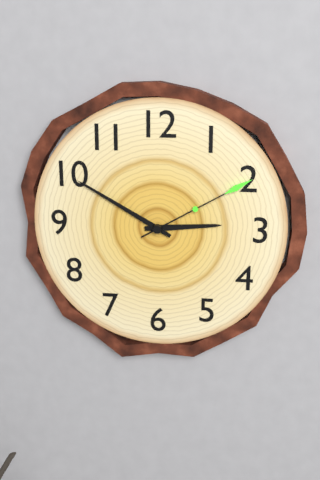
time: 2:50:10
